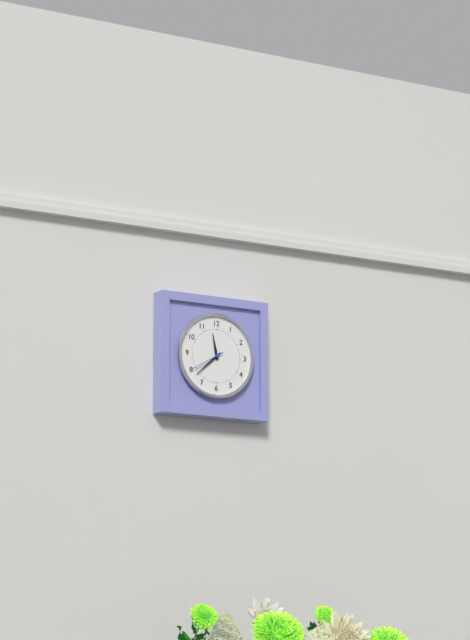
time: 11:38
